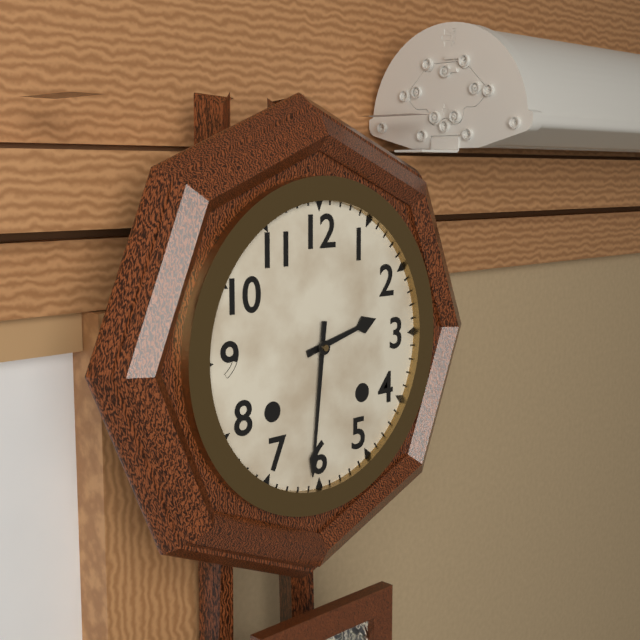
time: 2:31
